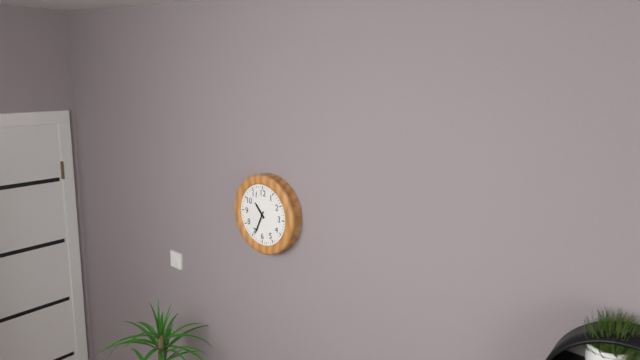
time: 10:34
